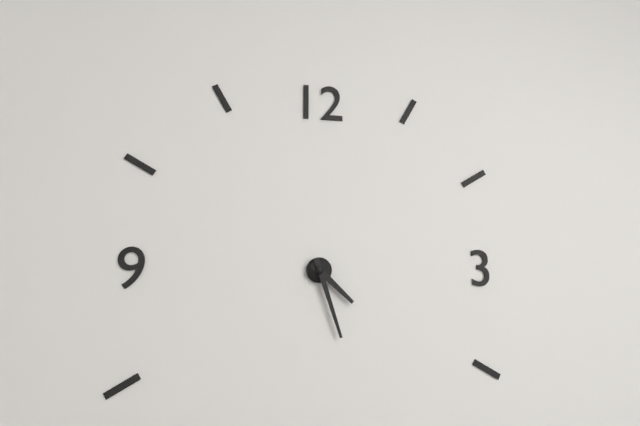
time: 4:27
